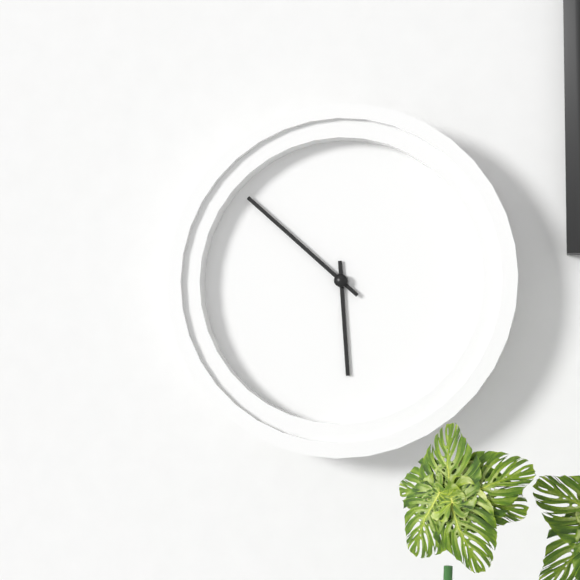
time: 5:52
